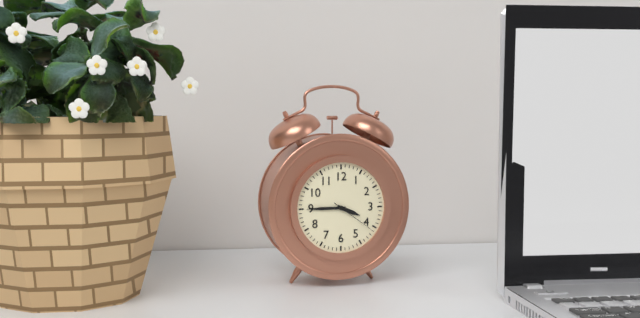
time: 3:45:21
